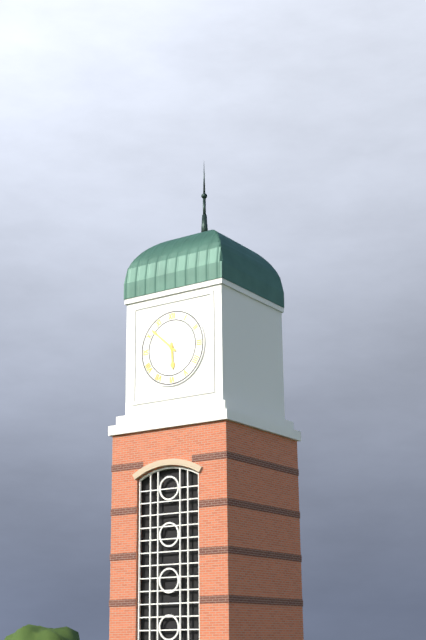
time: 5:52
